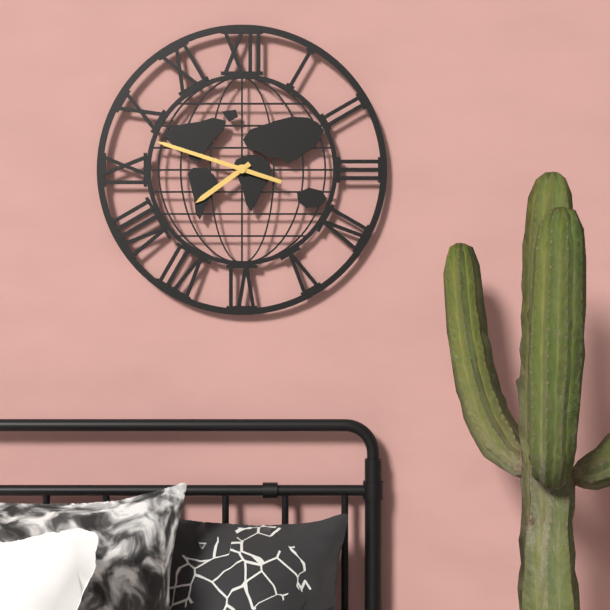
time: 7:48
